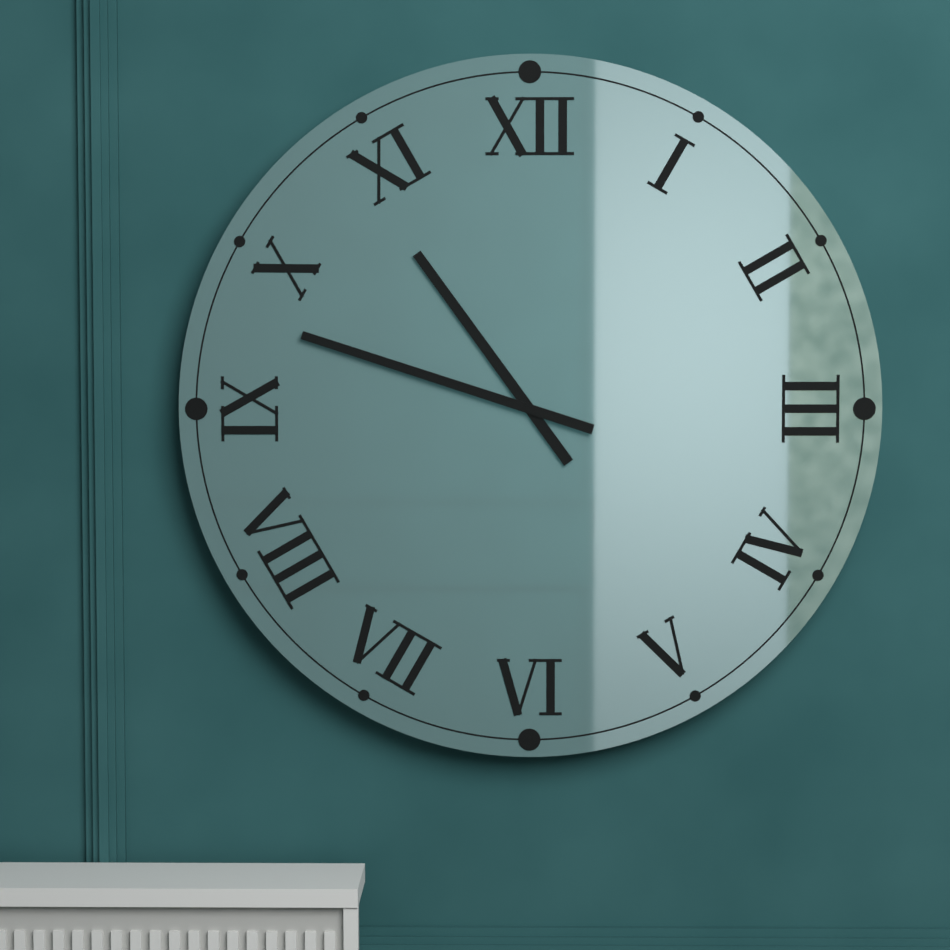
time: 10:48
